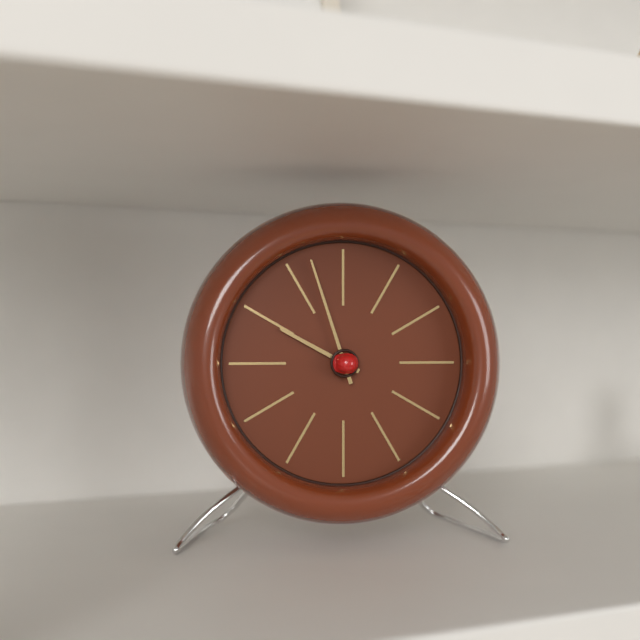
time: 9:57
